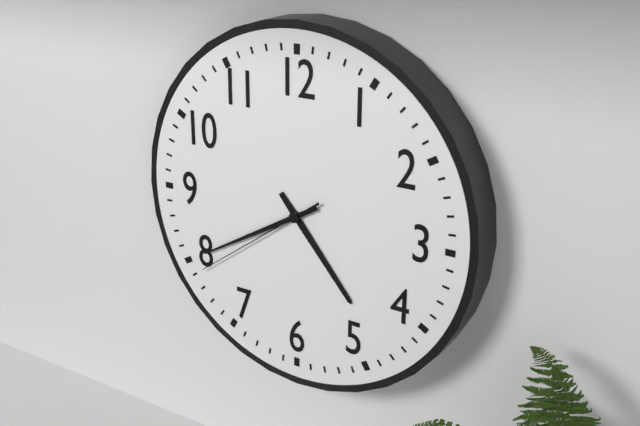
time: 4:40:39
